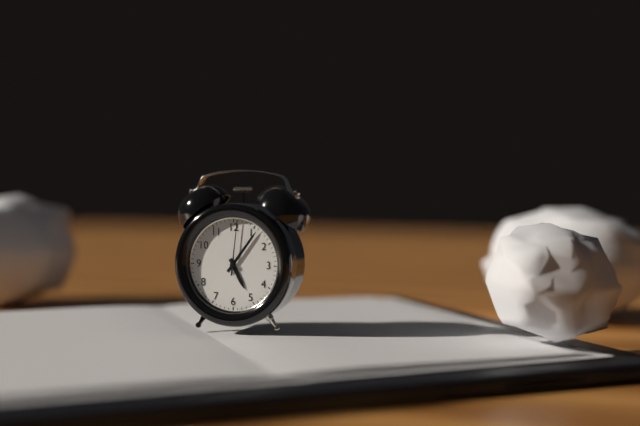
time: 5:06:01
